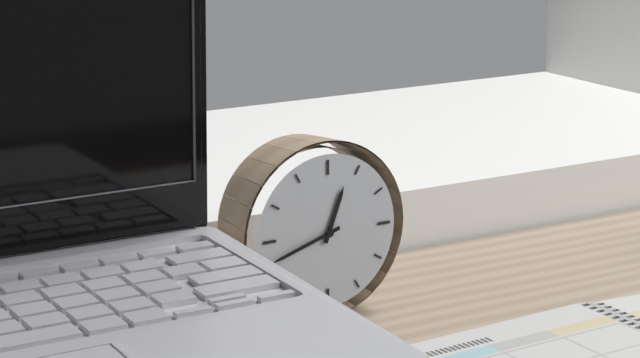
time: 12:42
